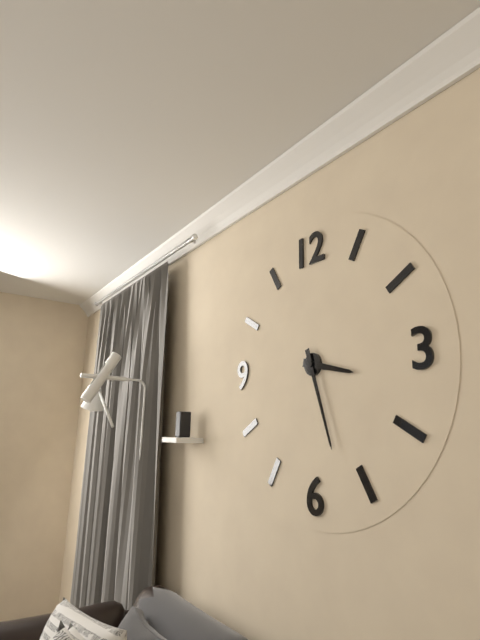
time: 3:27
